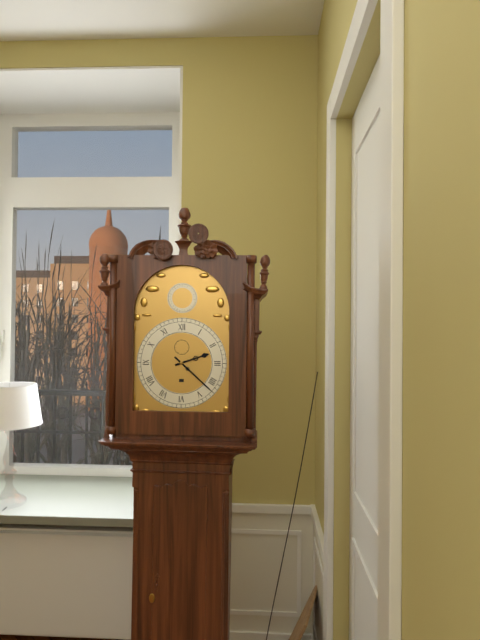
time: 2:22
